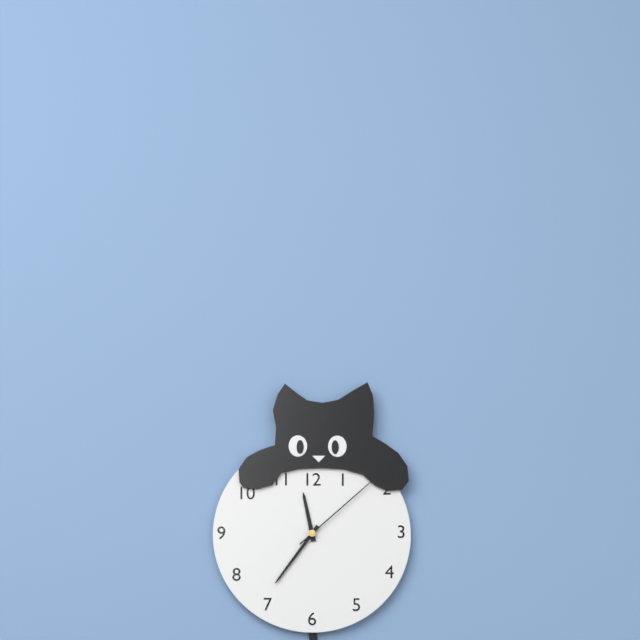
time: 11:36:08
